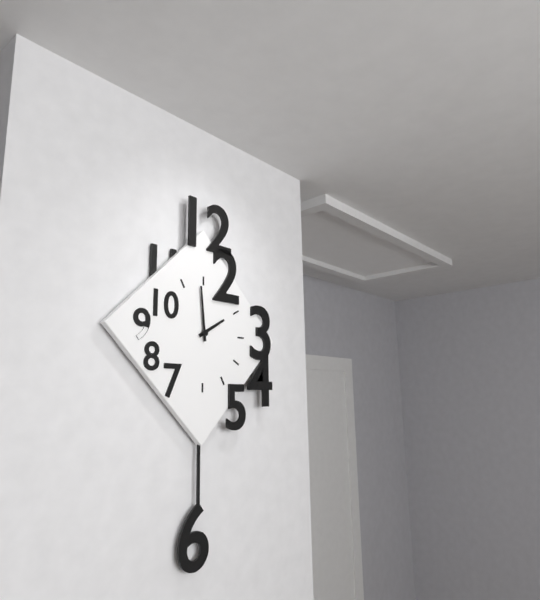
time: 1:59
